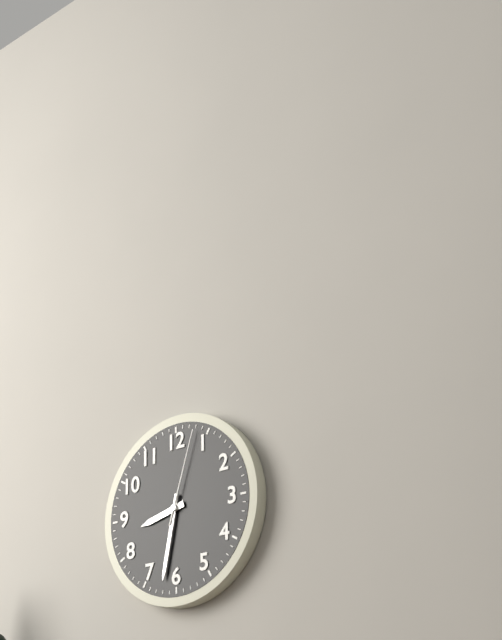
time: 8:32:03
